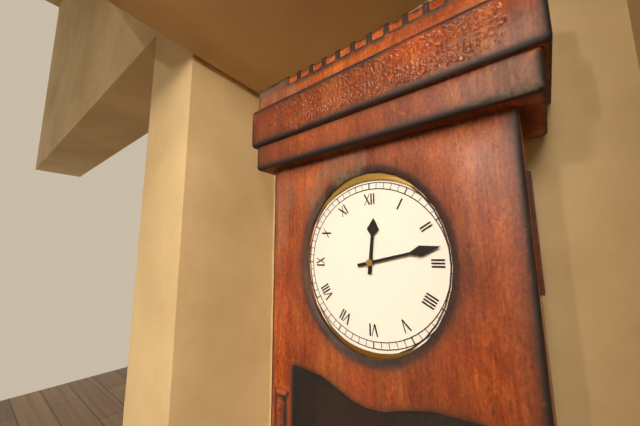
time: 12:13
